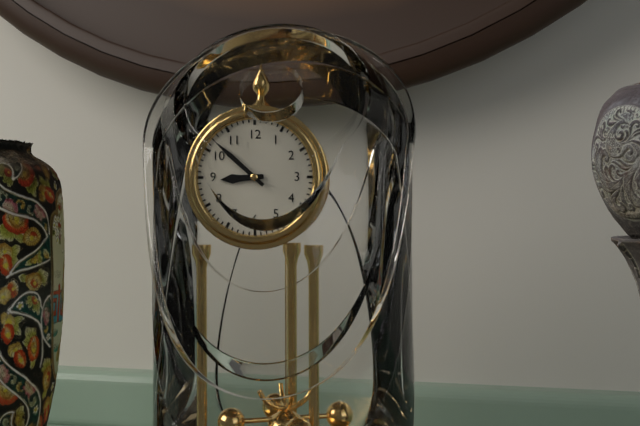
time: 8:52
